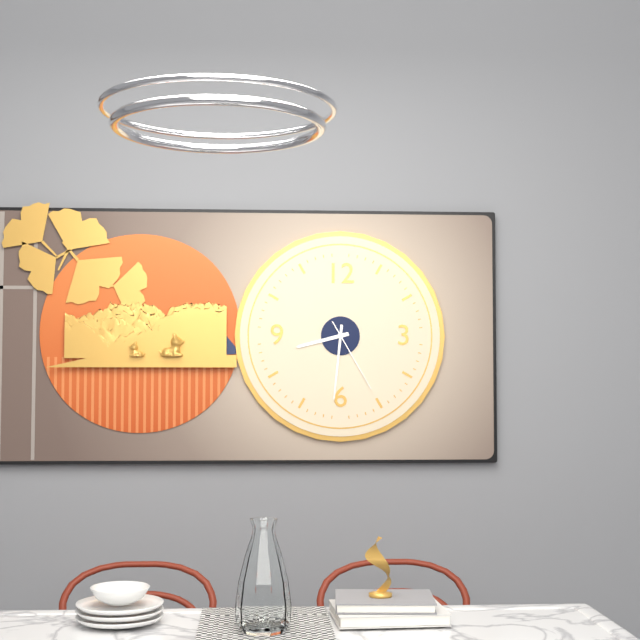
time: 8:31:25
